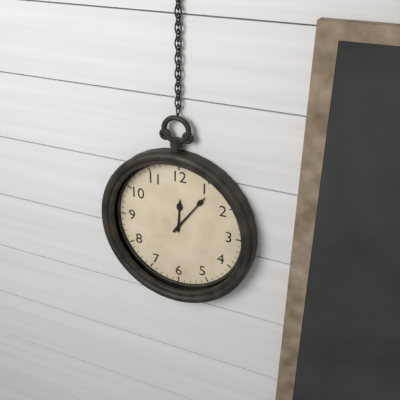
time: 12:06
